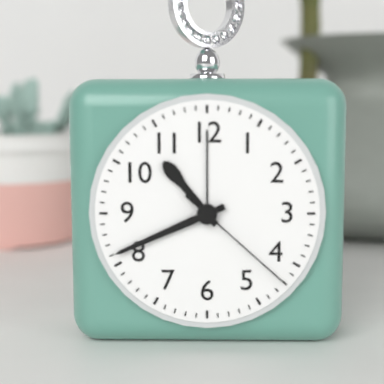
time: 10:41:22
